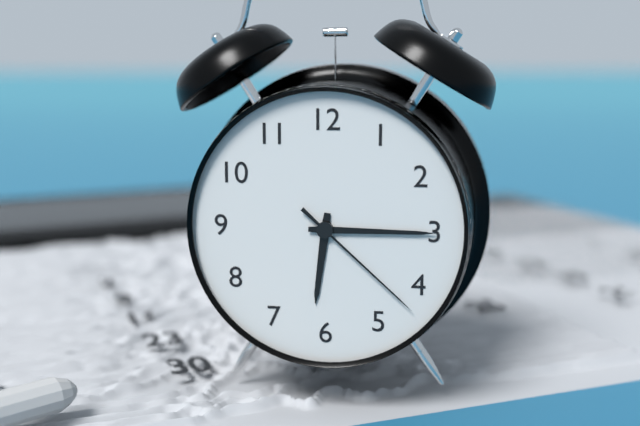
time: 6:15:22
